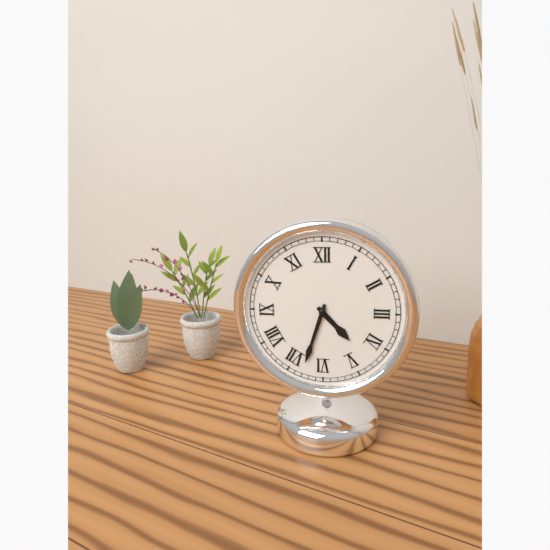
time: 4:33
